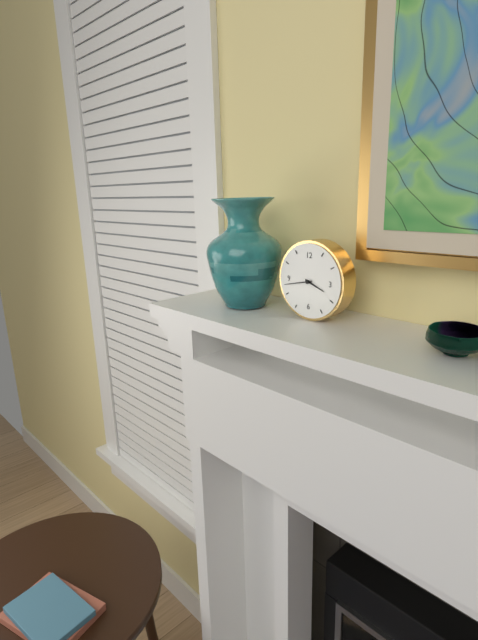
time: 3:43
